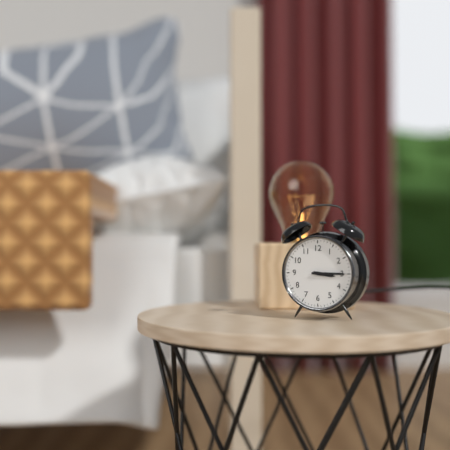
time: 3:15
